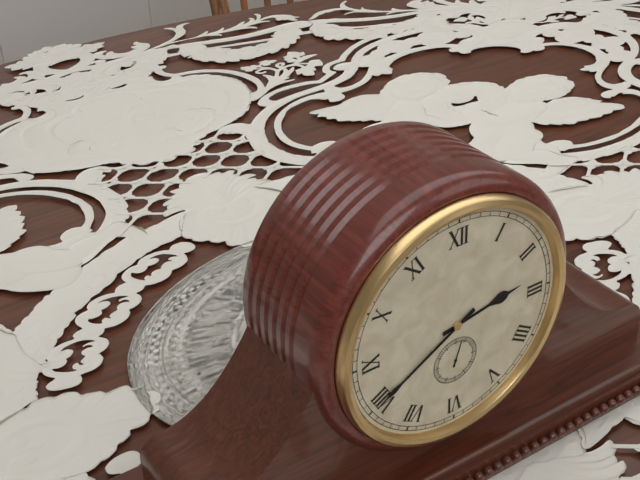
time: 2:40:03
